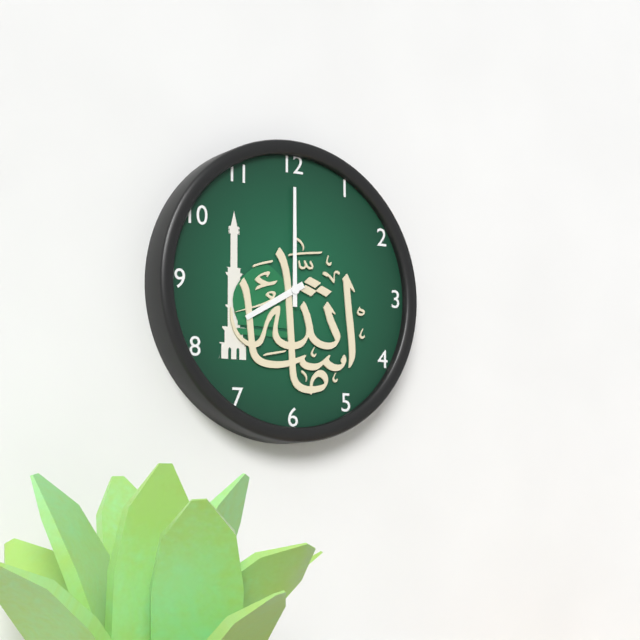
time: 8:00
